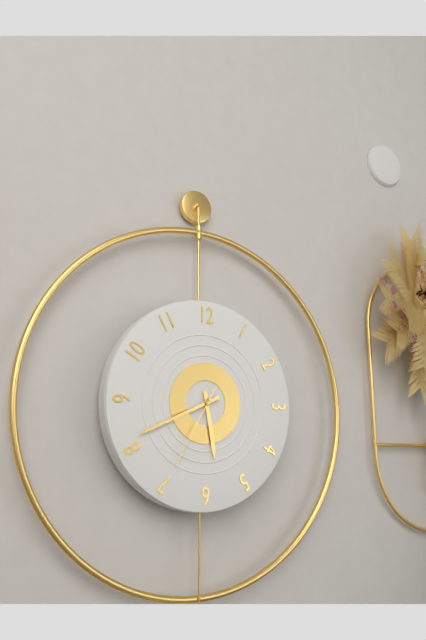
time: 5:41:35
